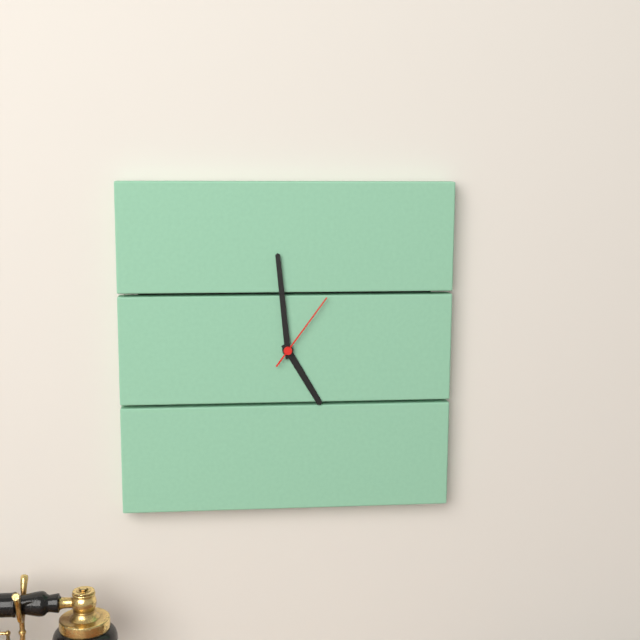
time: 4:59:06
